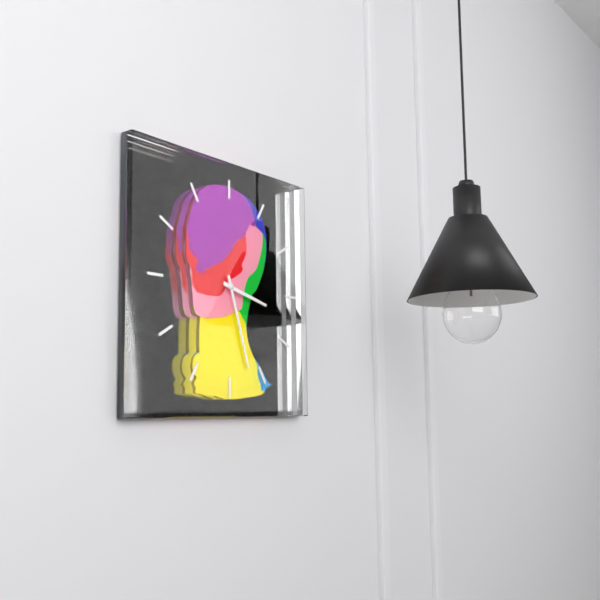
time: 3:27
